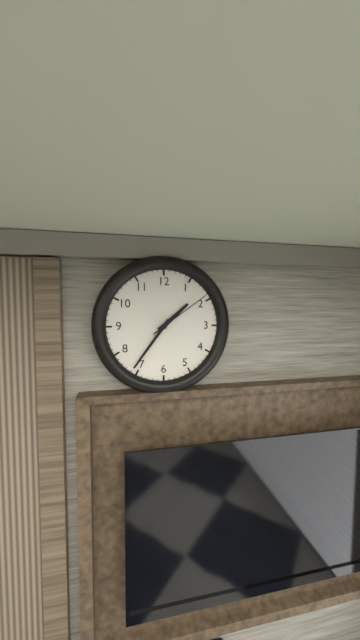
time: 1:36:09
